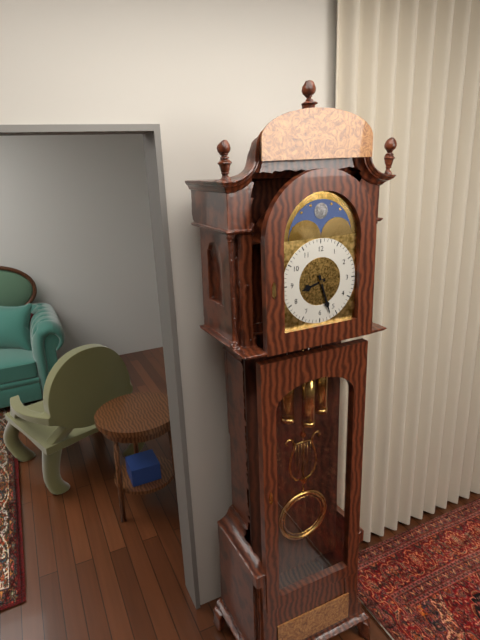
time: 8:27
